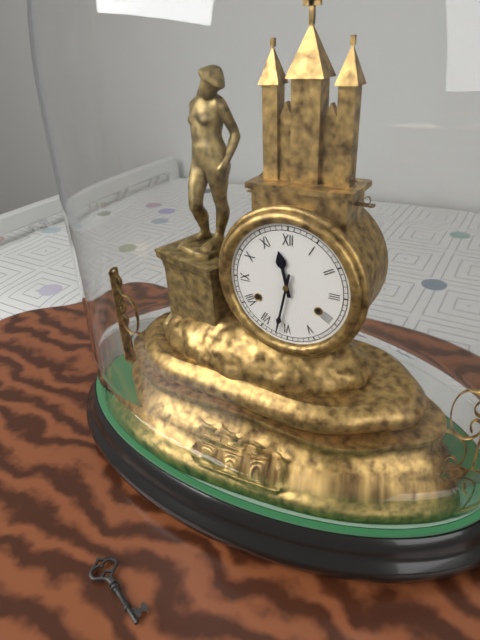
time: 11:32
